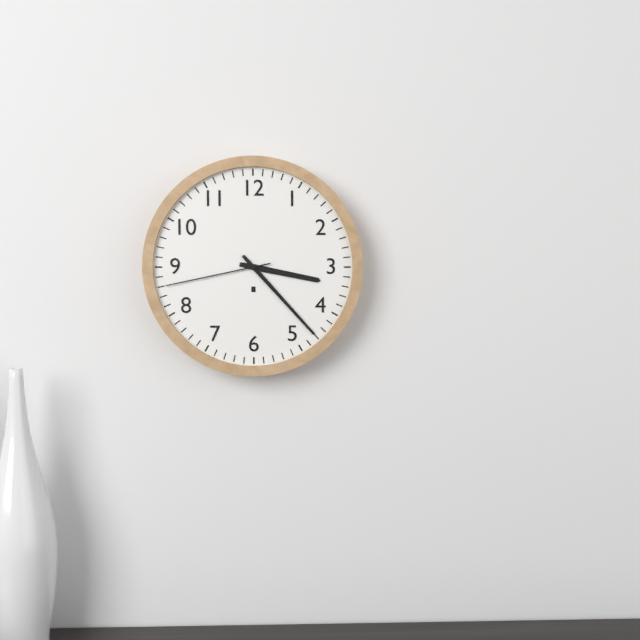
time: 3:23:43
